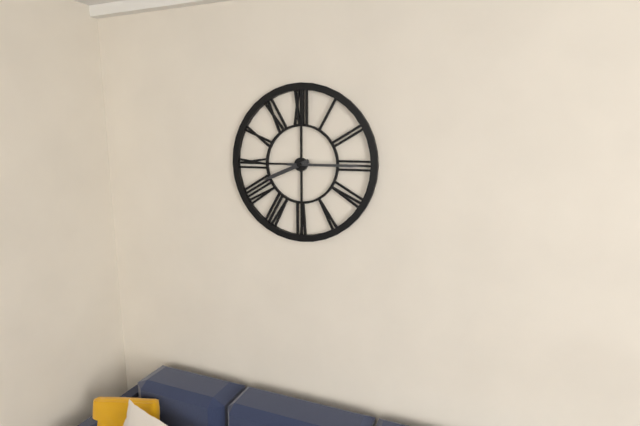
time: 8:15
